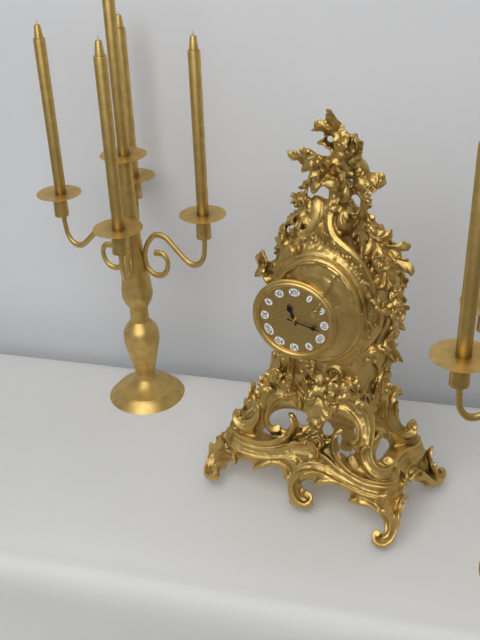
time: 11:17
